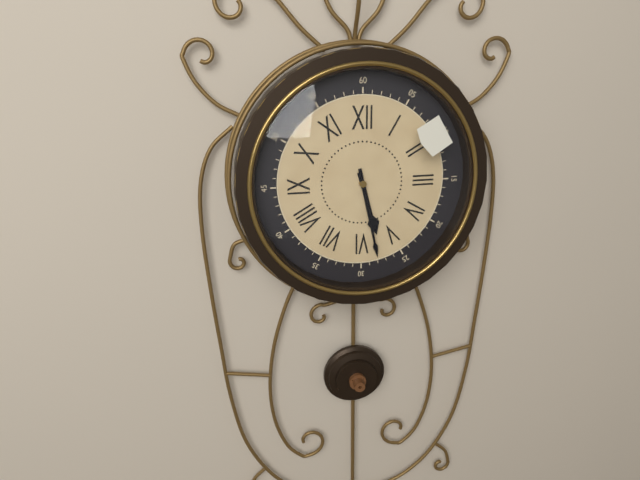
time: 5:28
